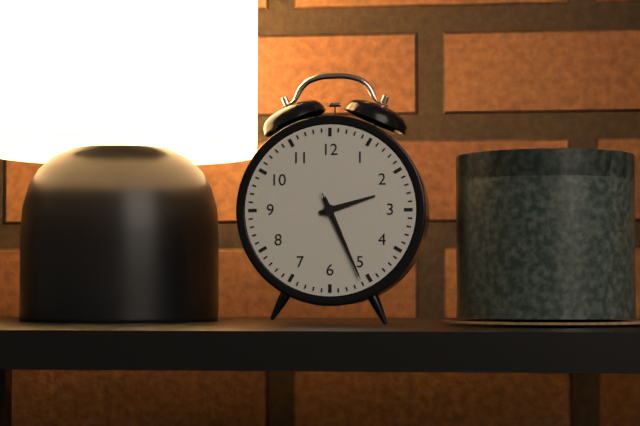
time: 2:26:26
